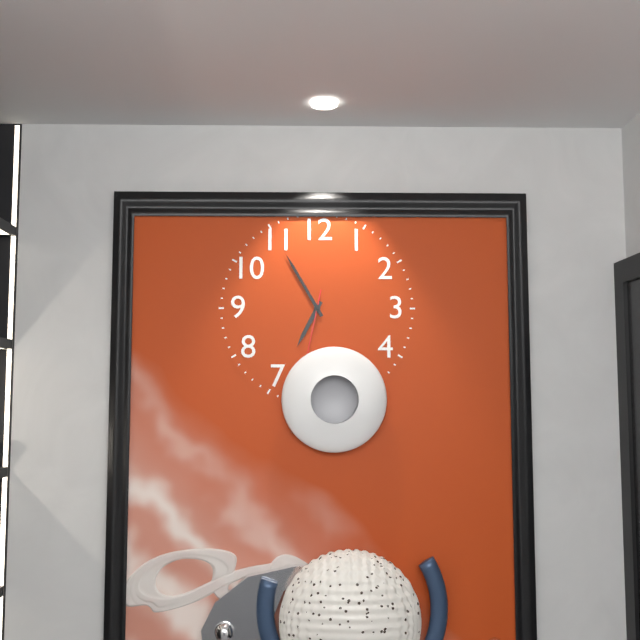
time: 6:55
